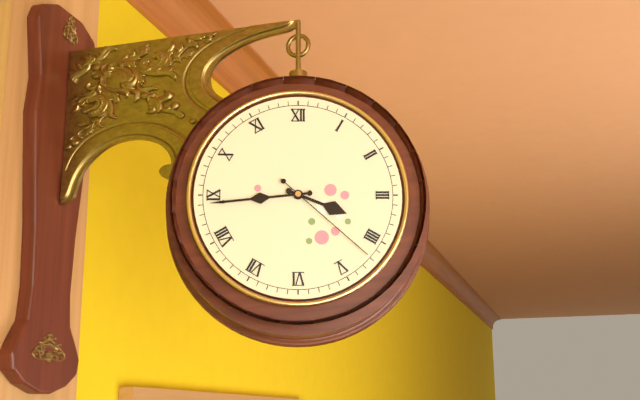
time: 3:44:22
